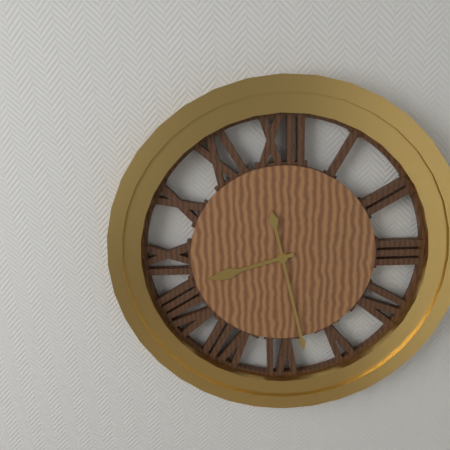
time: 8:28
